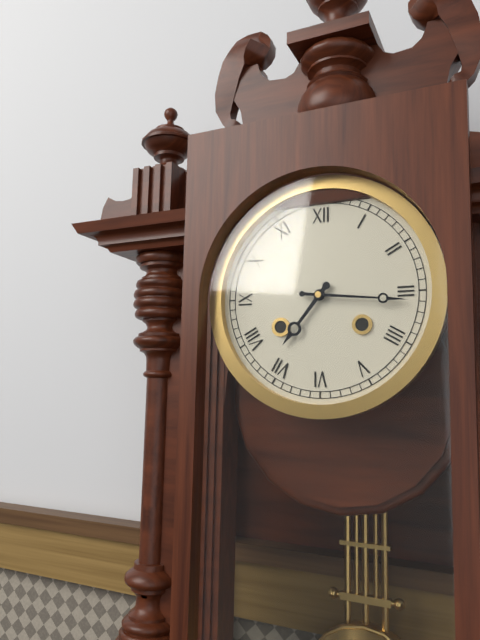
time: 7:16
